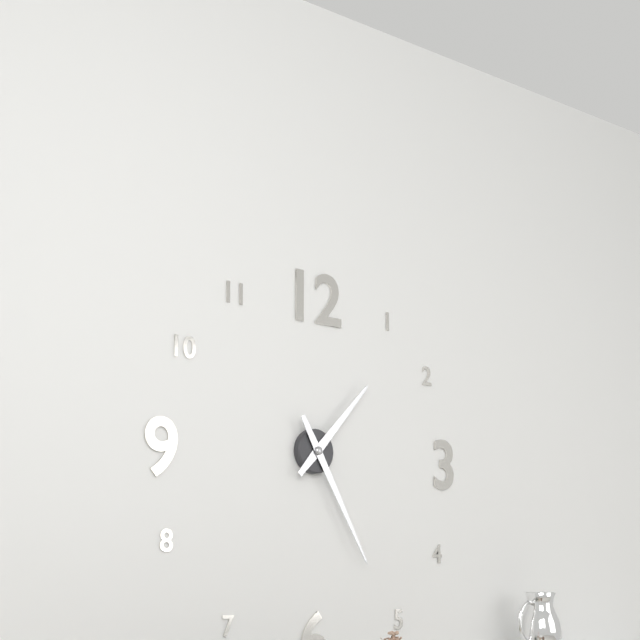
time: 1:25
